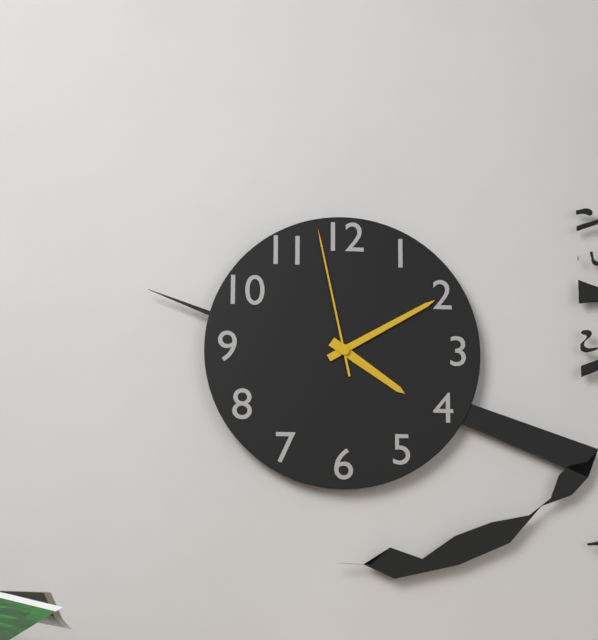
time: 4:10:58
